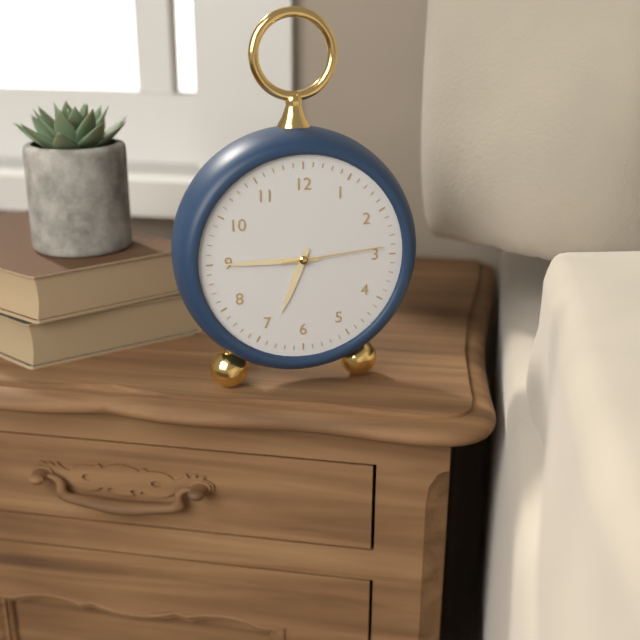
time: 6:45:14
